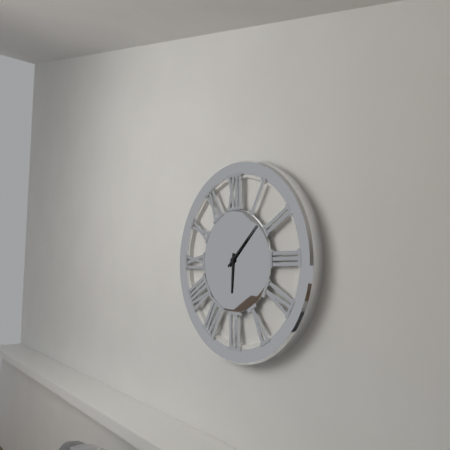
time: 6:08
